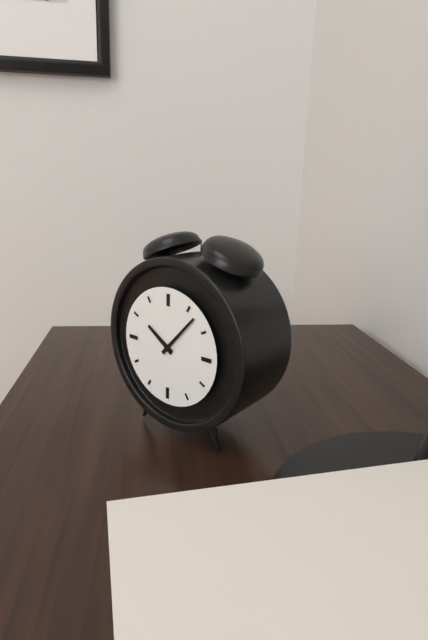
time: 10:07
